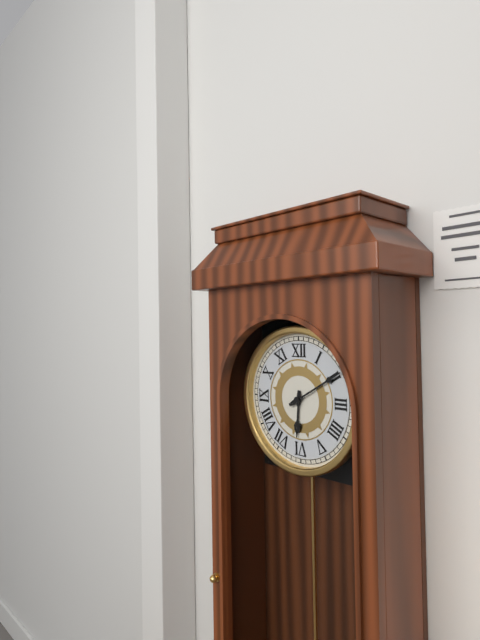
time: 6:10
